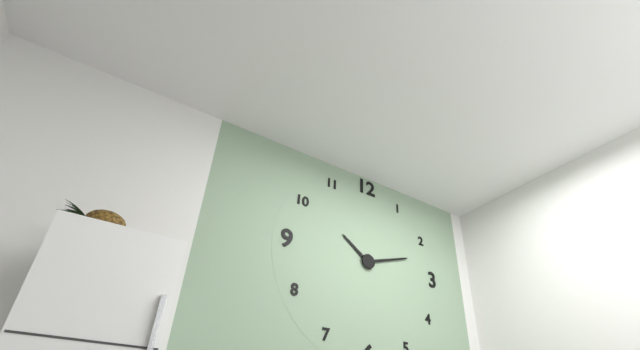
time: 10:12
